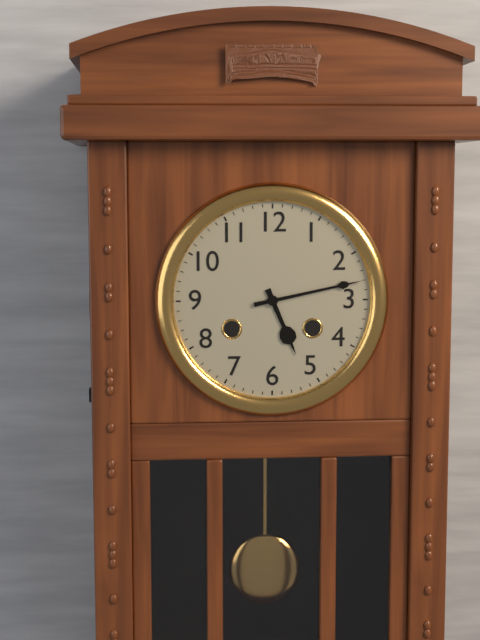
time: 5:13
